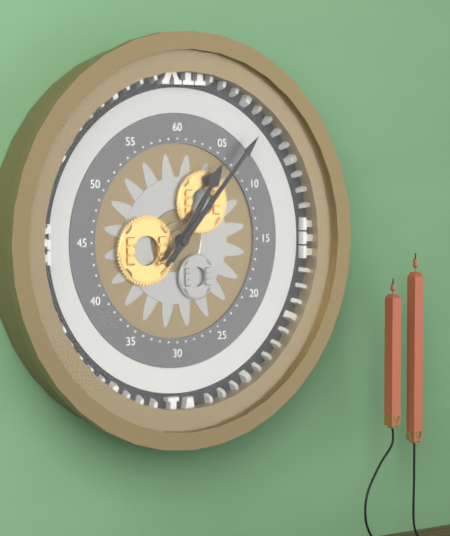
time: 1:07
